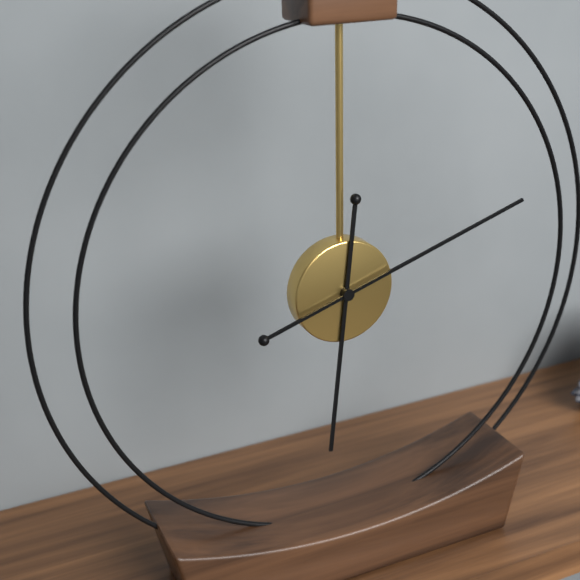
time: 6:12
